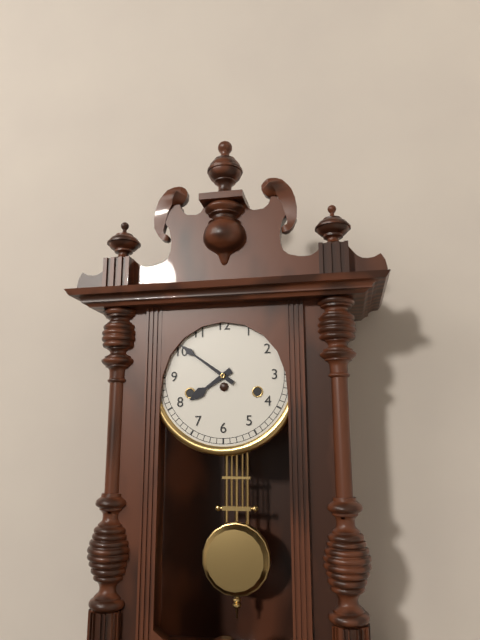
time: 7:51
